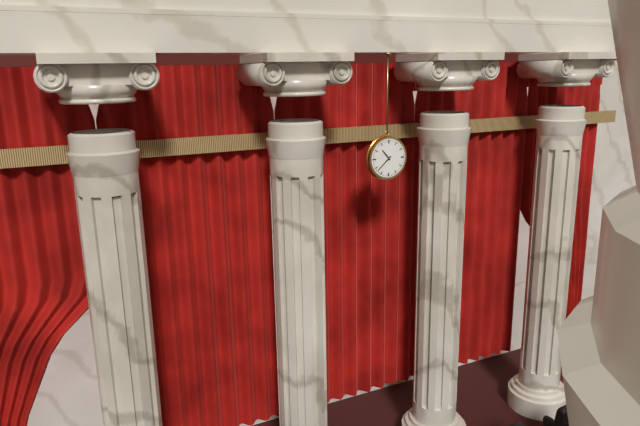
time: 10:38
